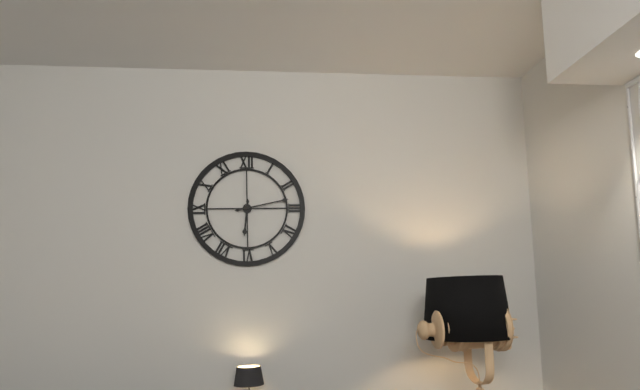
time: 6:13
